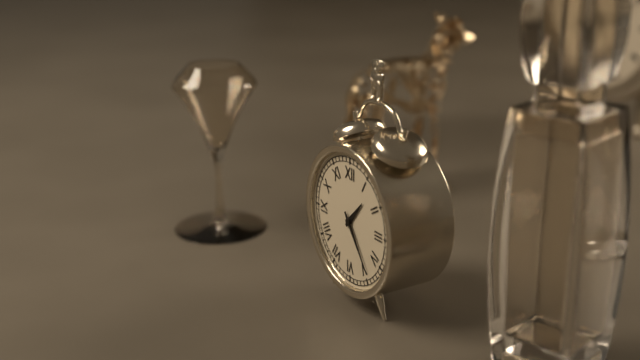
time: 1:24
